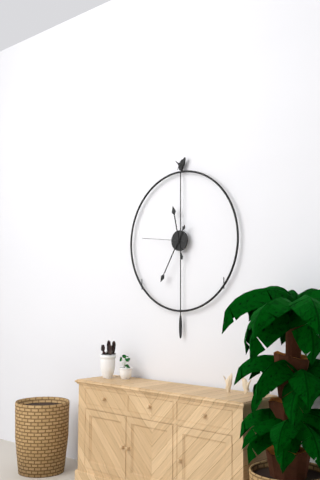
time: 11:35
